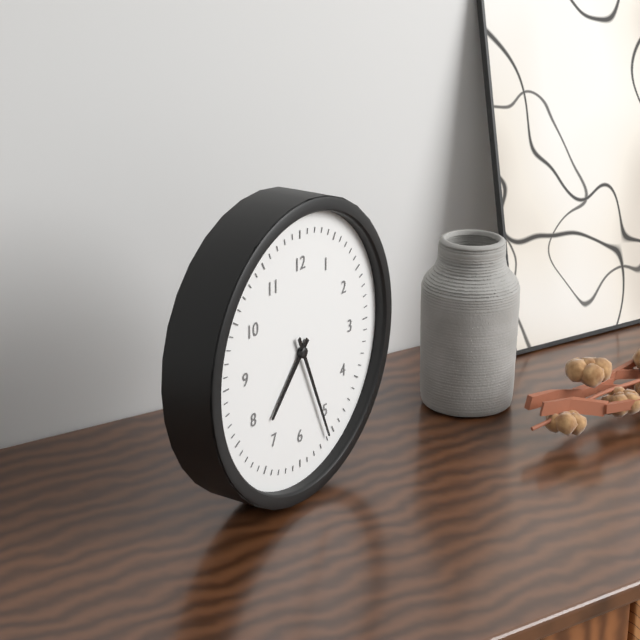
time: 7:26
